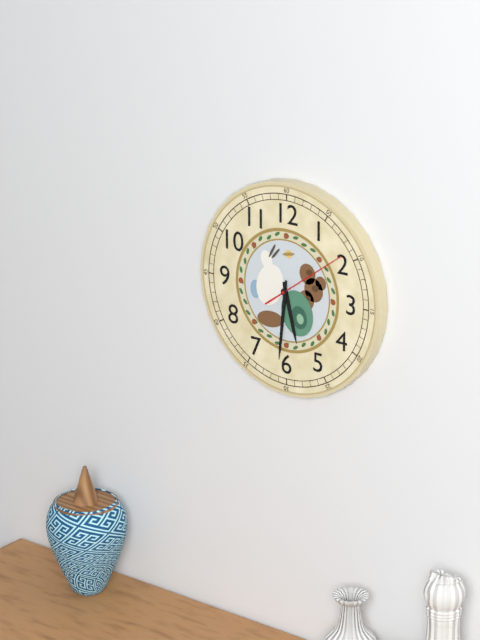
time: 5:31:09
